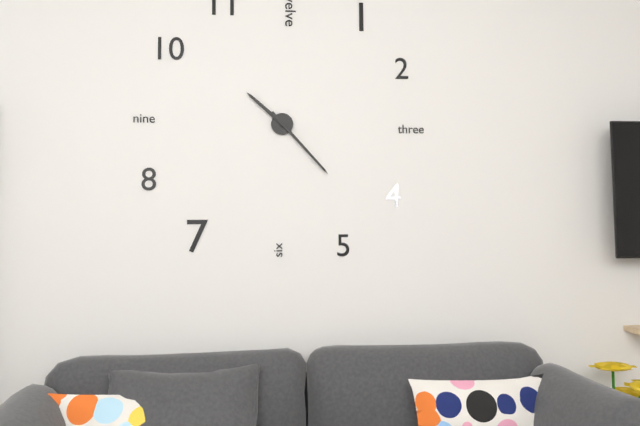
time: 10:23
